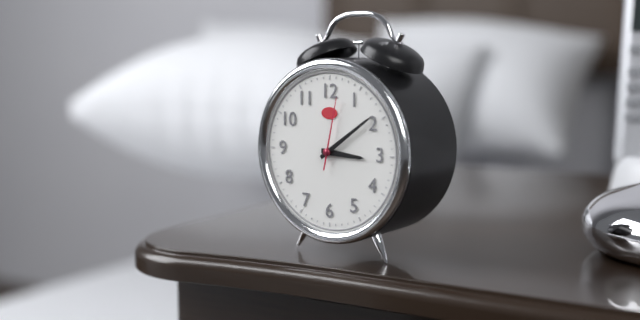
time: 3:09:02
